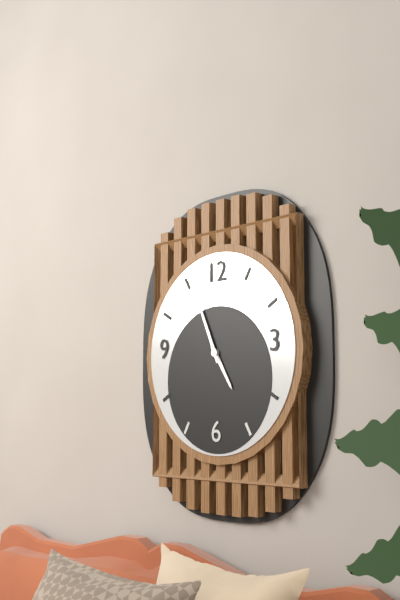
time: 4:56
